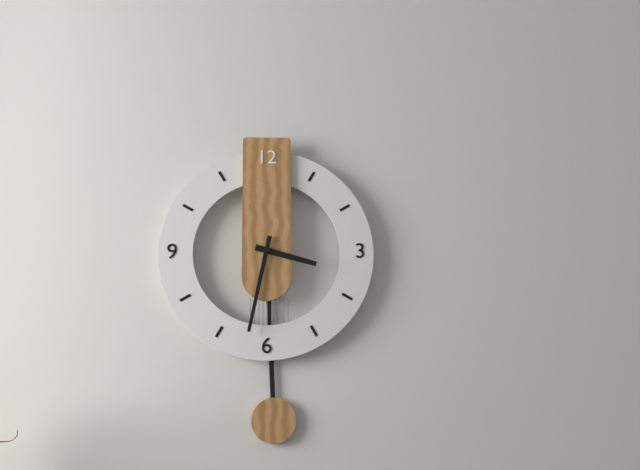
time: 3:32
